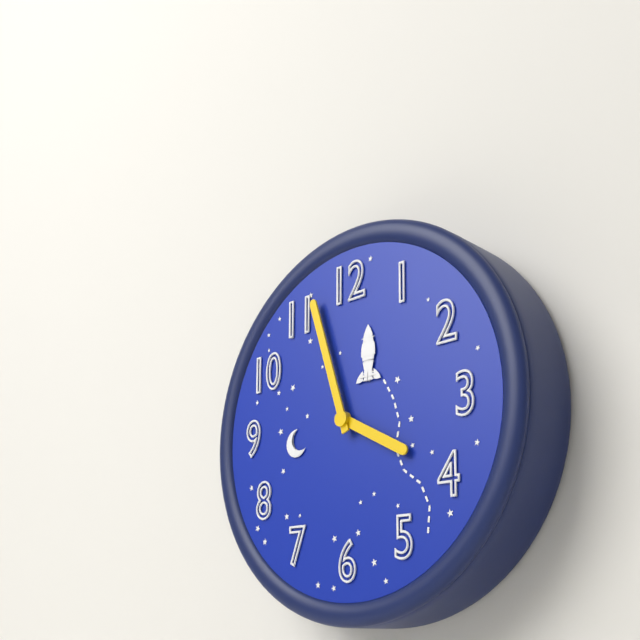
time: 3:57
